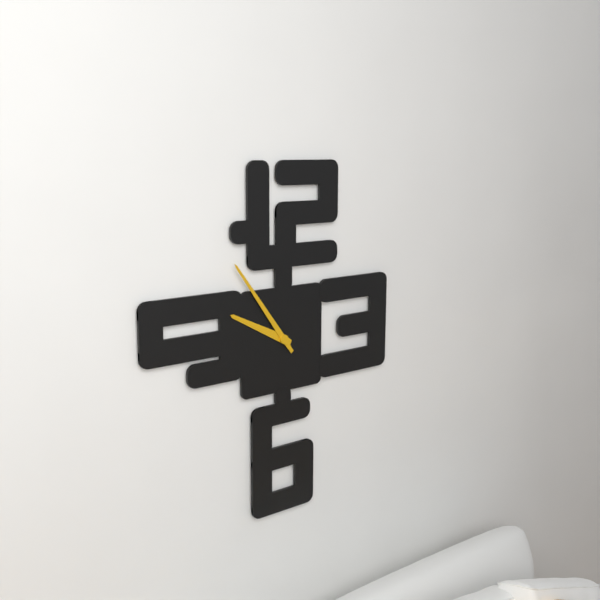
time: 9:54
